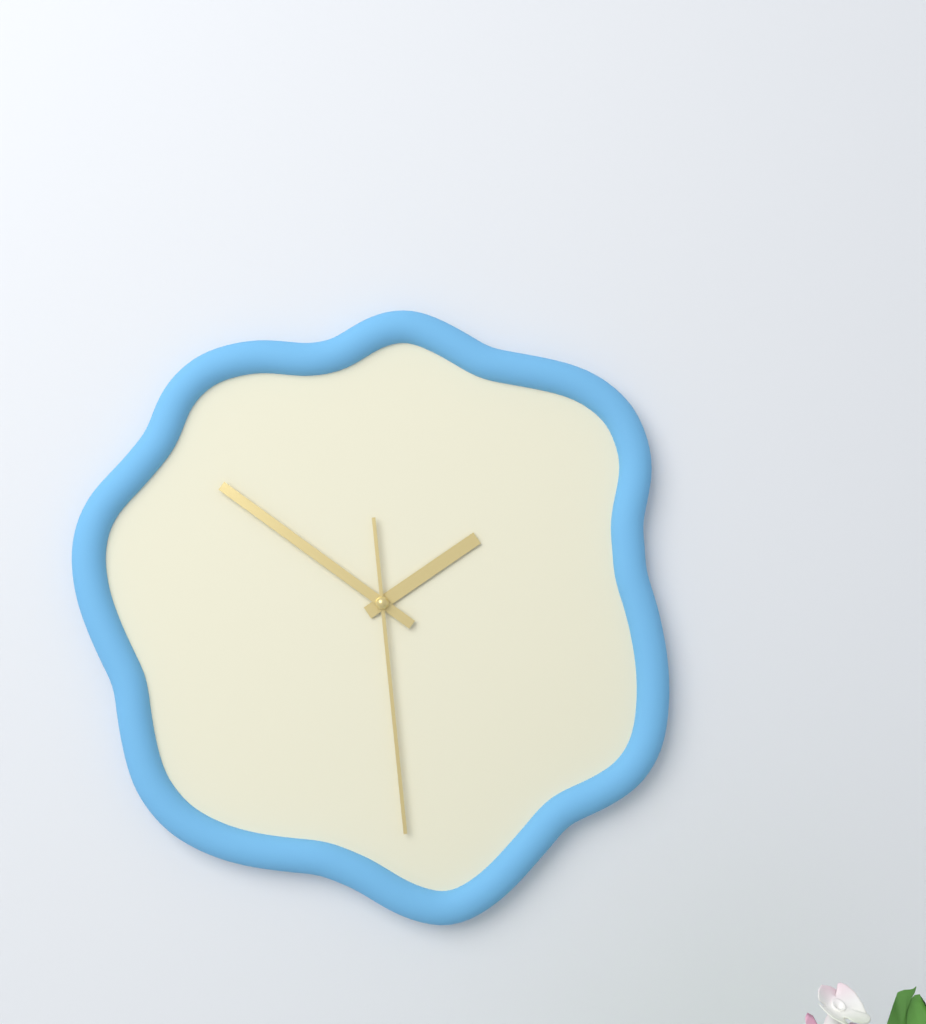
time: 1:51:29
